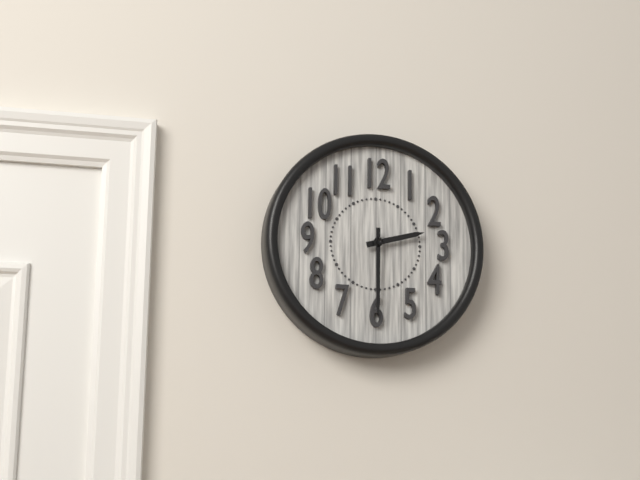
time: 2:30
